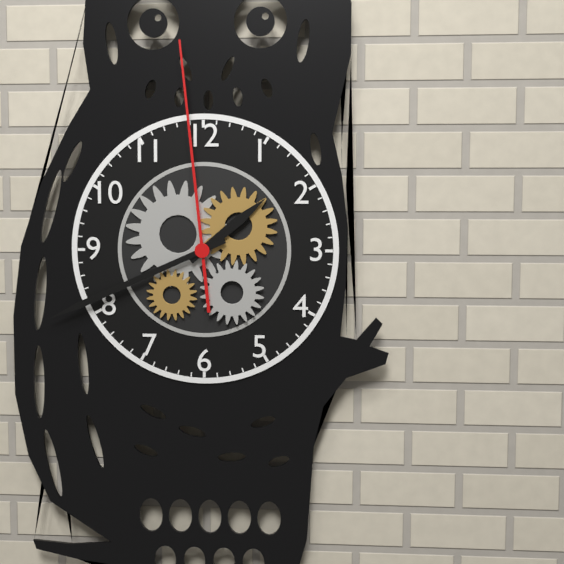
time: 1:41:59
